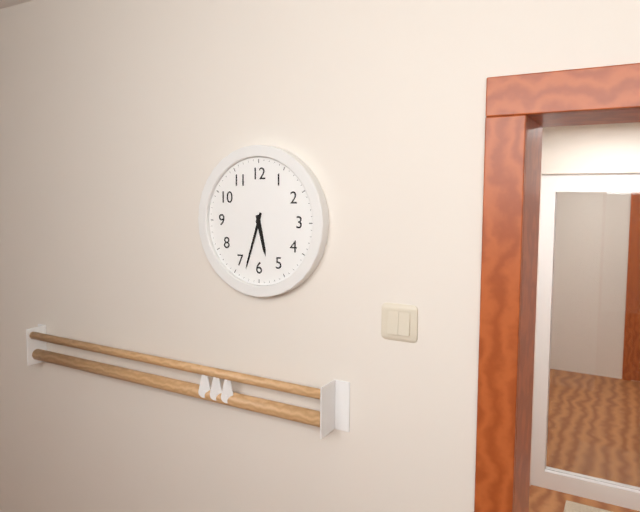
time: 5:33
